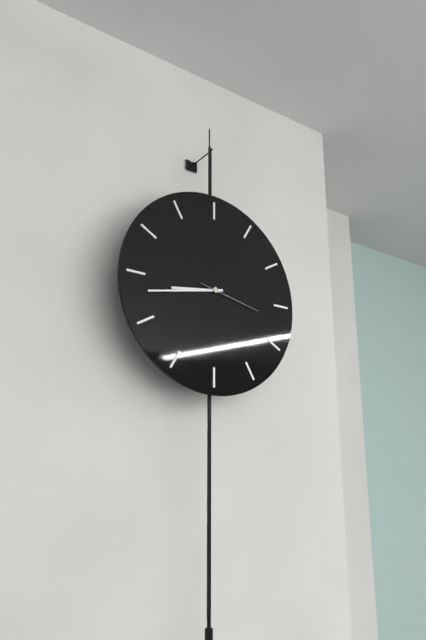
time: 8:43:17
